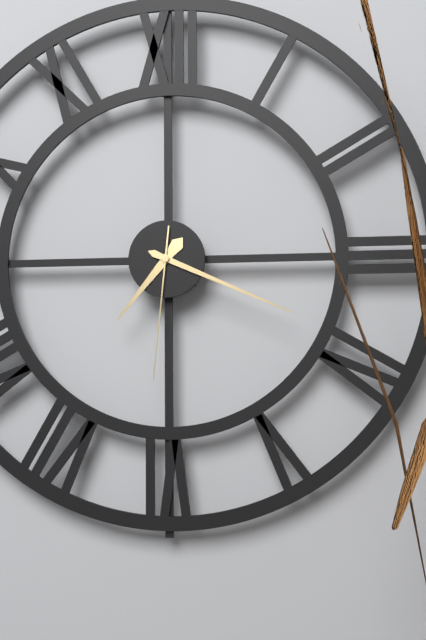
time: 7:19:31
